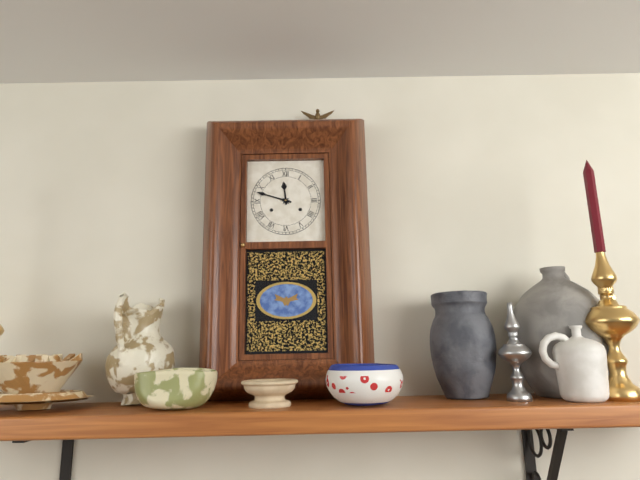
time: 11:48
